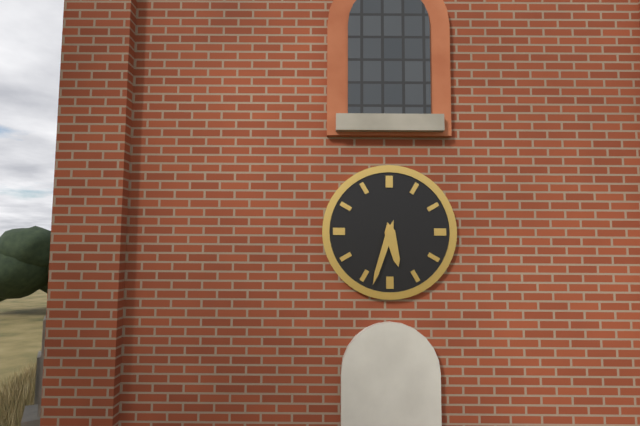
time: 5:33
